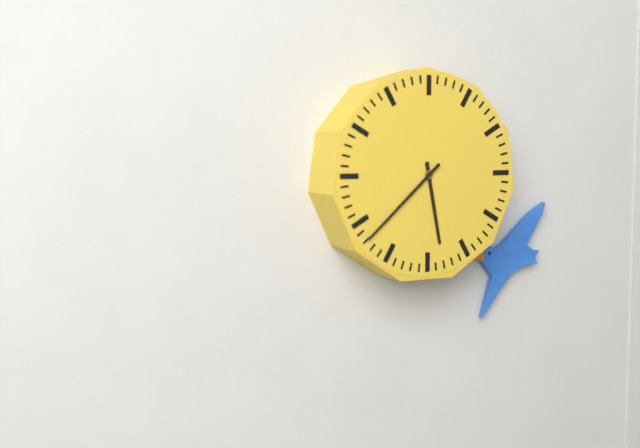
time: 5:38
